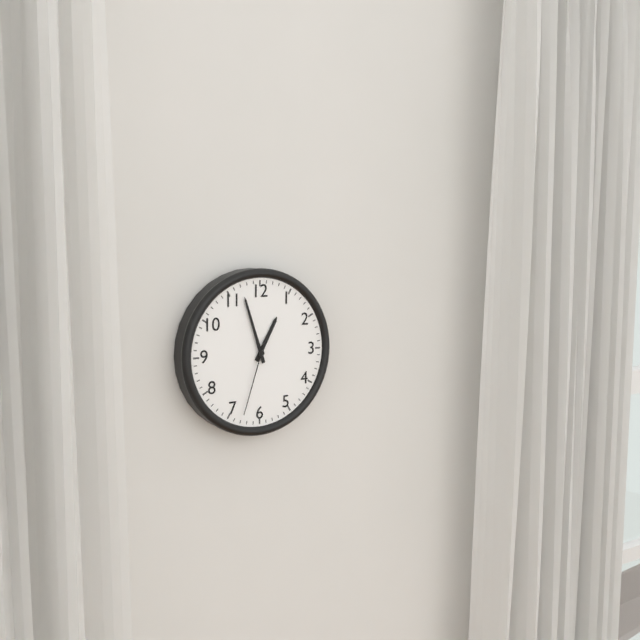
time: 12:57:33
